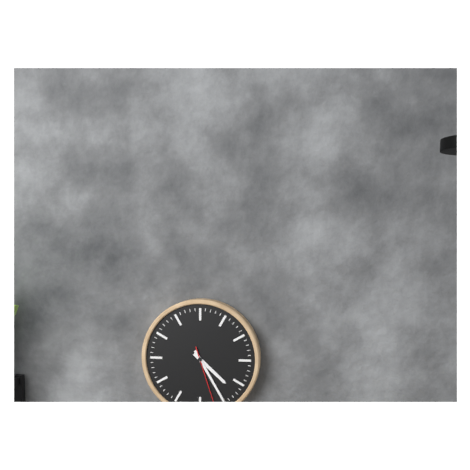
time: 4:25:27
